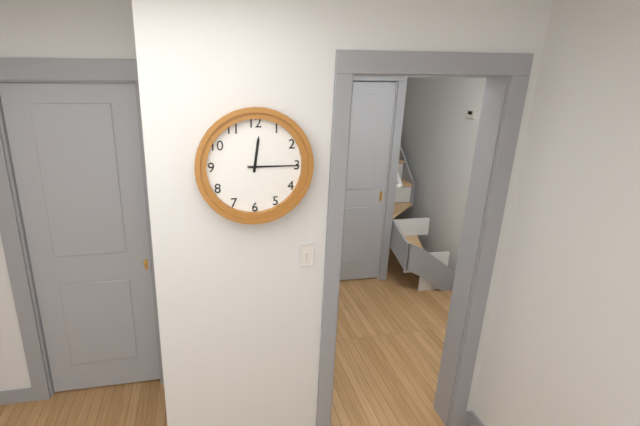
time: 12:15
